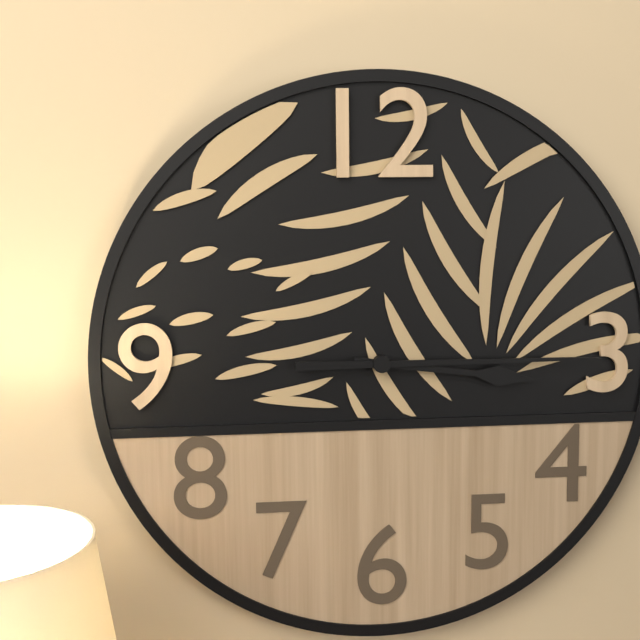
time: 3:15
